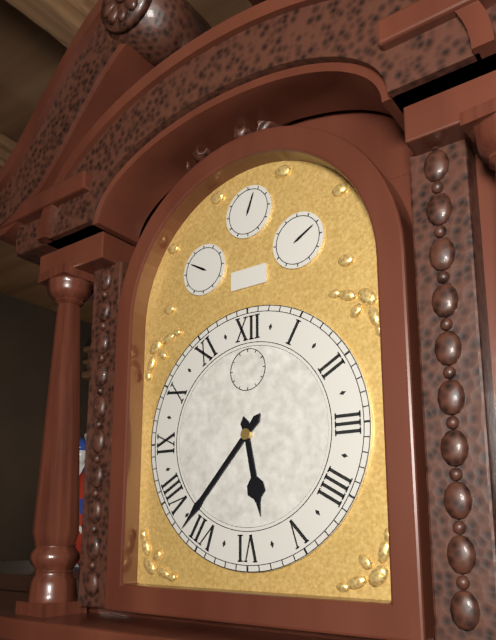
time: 5:37
